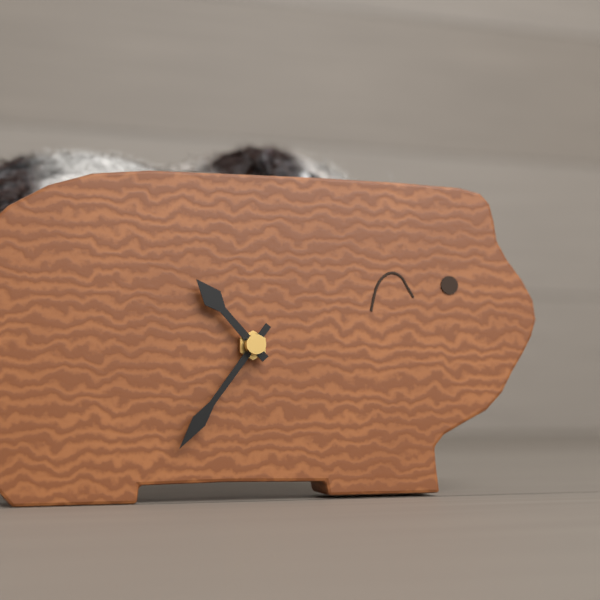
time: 10:36
